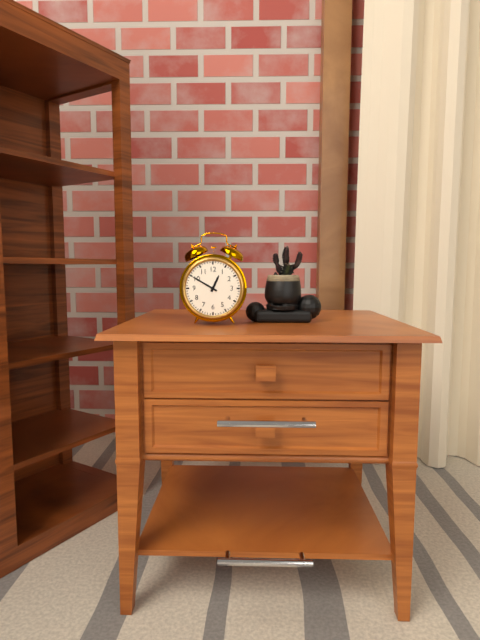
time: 12:50
